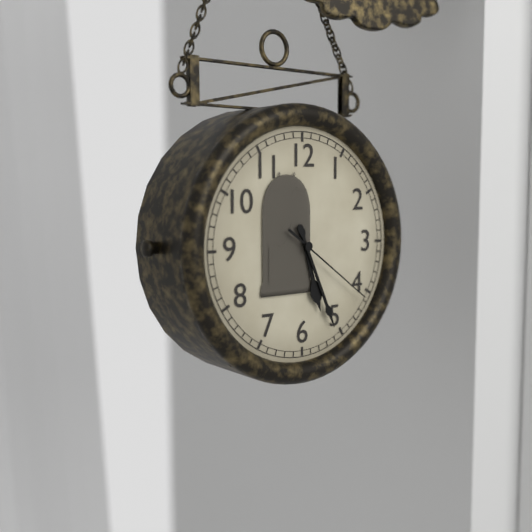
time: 5:26:21
